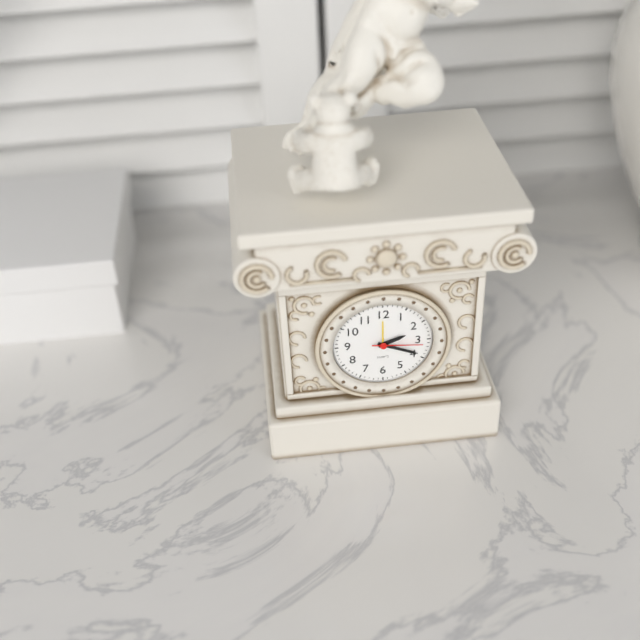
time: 2:19
